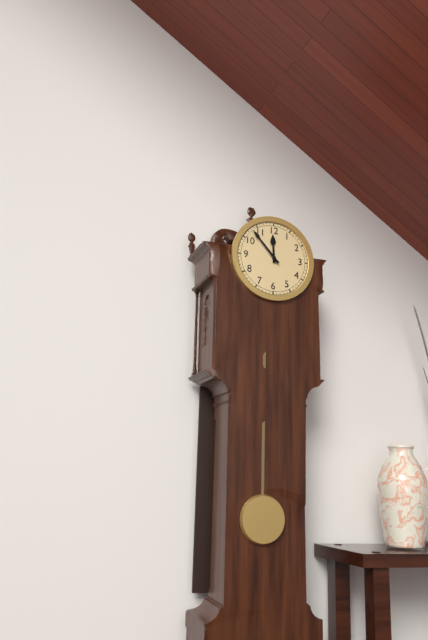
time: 11:53
